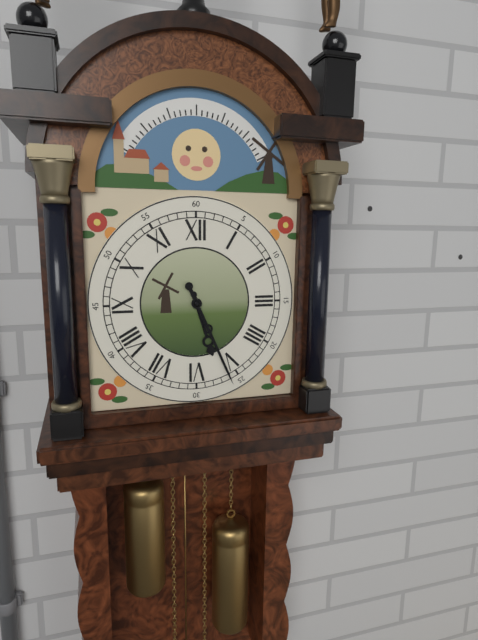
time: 5:26
